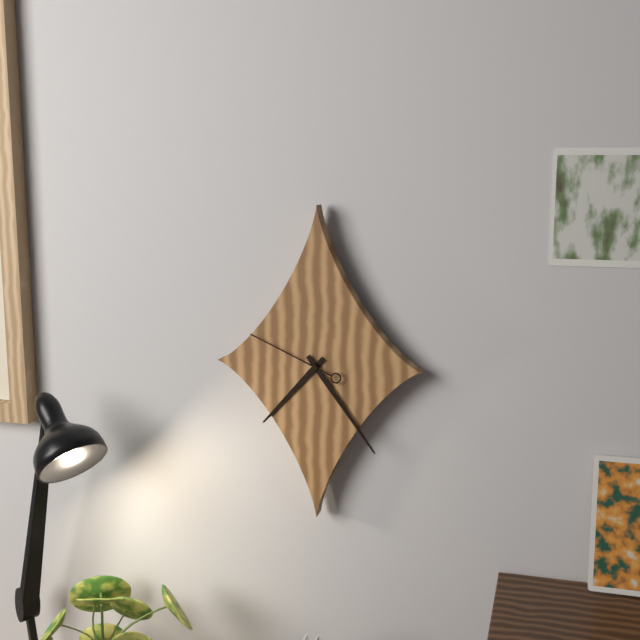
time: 7:24:49
